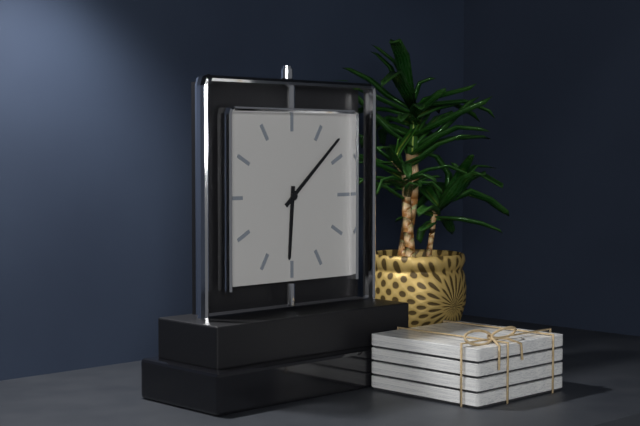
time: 6:08
